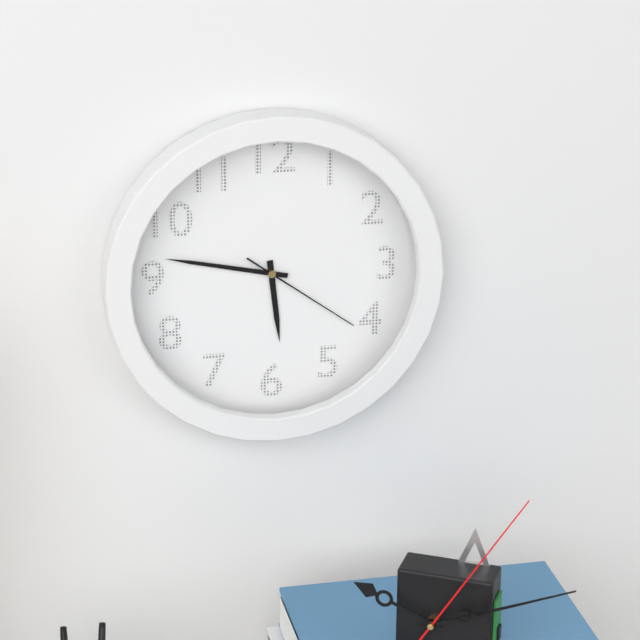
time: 5:47:21
